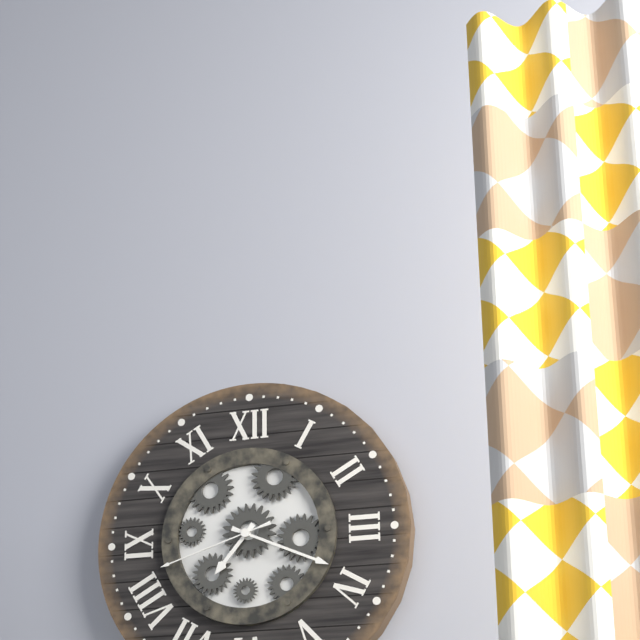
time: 7:19:42
